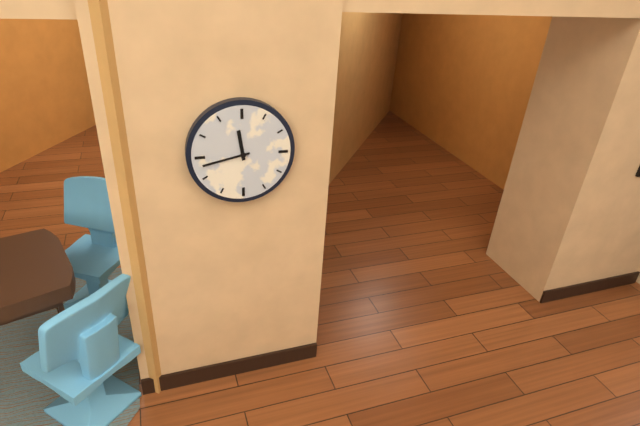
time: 11:43
